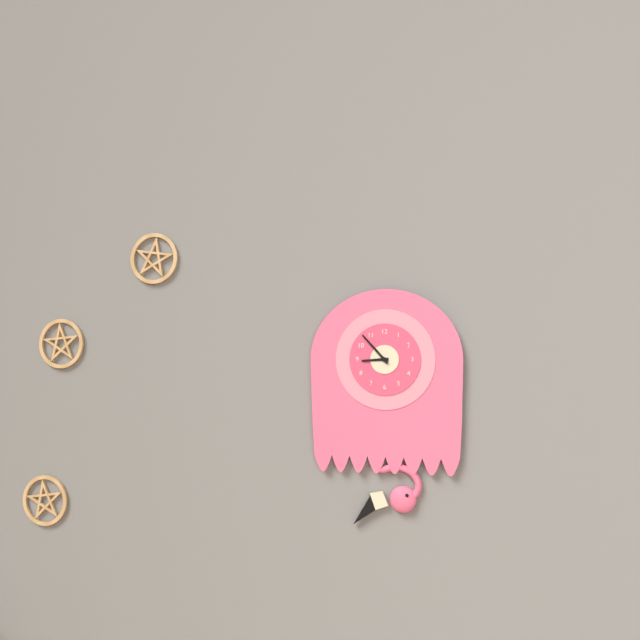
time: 8:53
